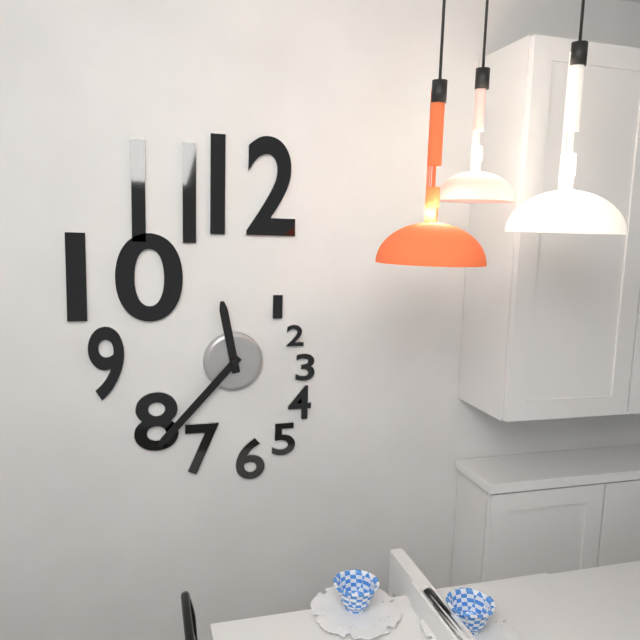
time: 11:37
